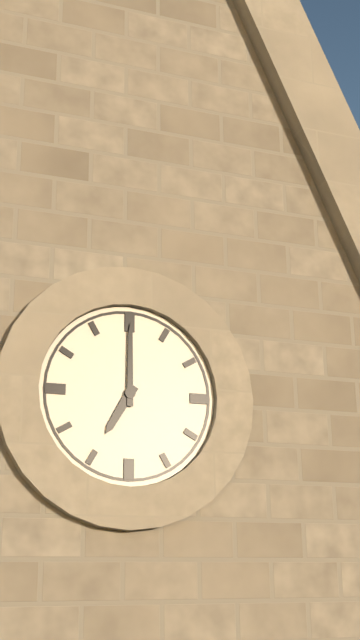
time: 7:00
